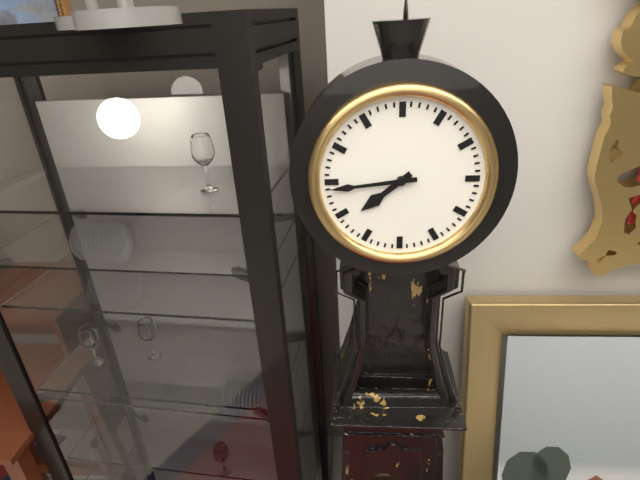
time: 7:44
